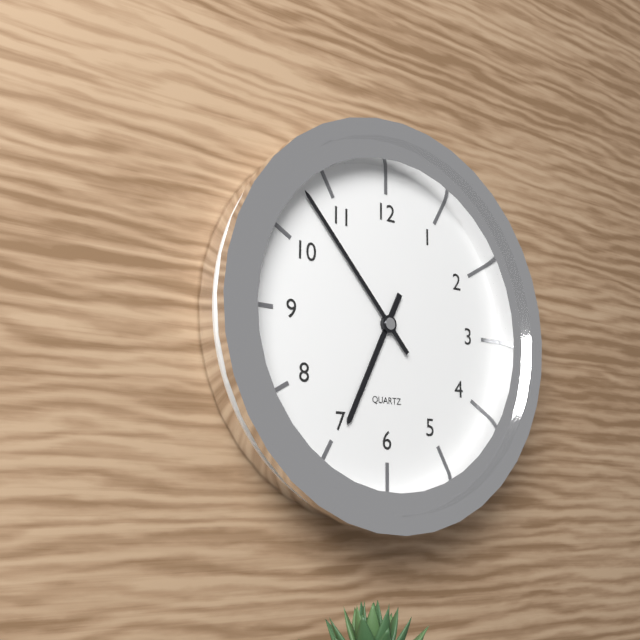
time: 6:53
